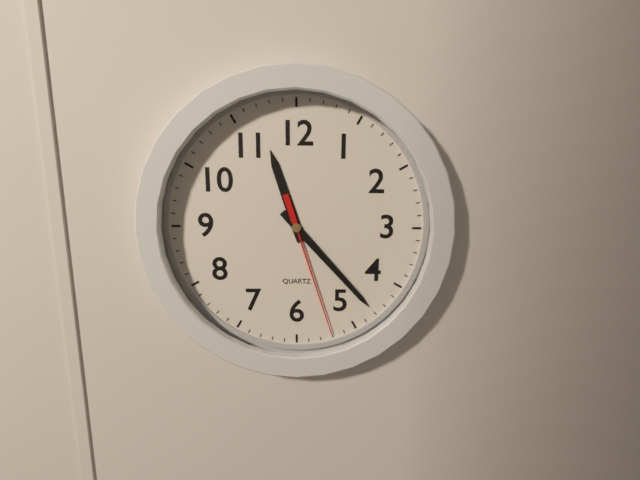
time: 11:23:27
